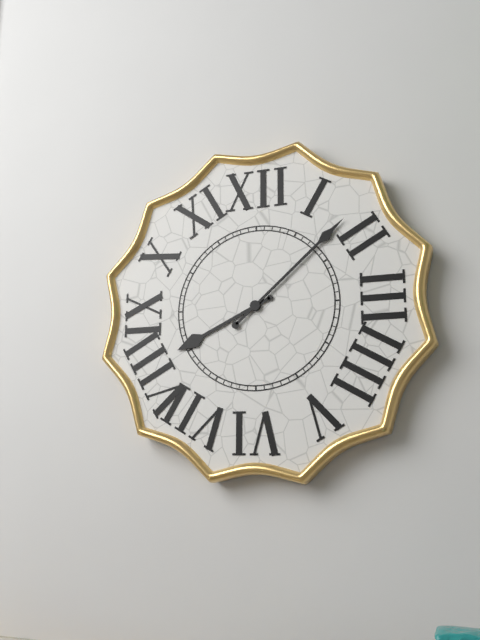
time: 8:08
